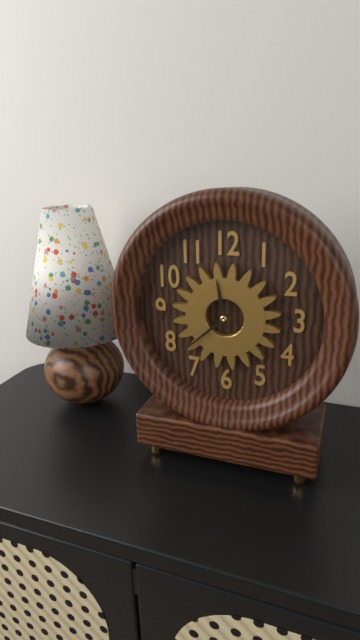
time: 11:38
